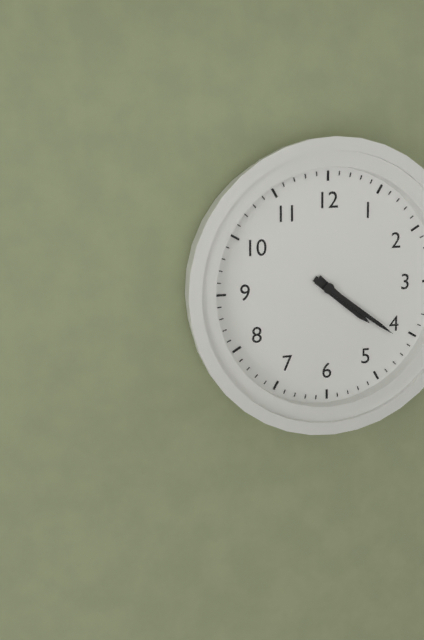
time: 4:21
